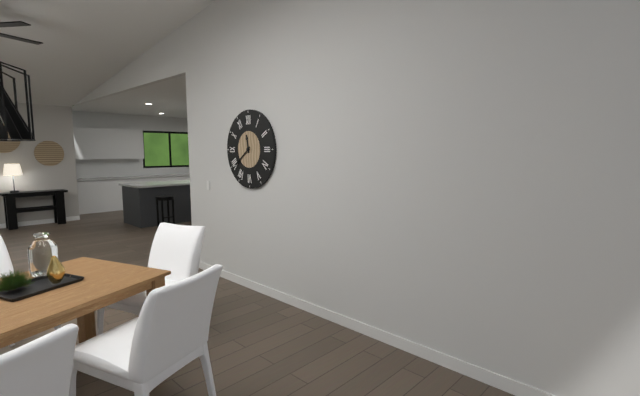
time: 11:39
